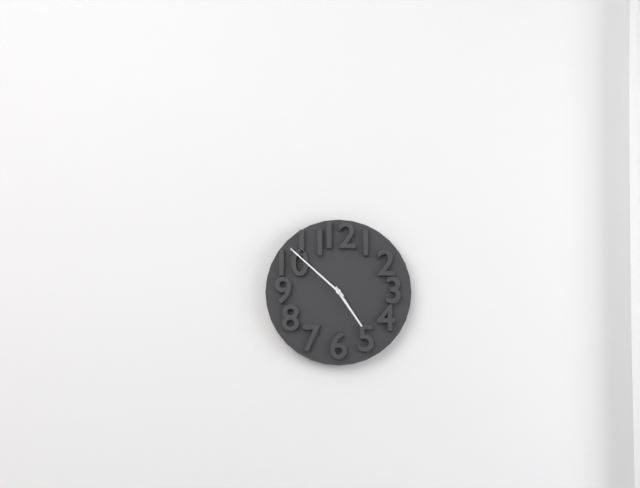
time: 4:52
